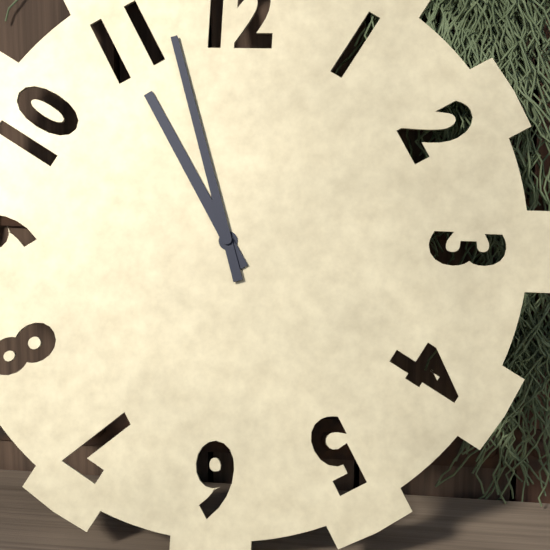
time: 10:57
